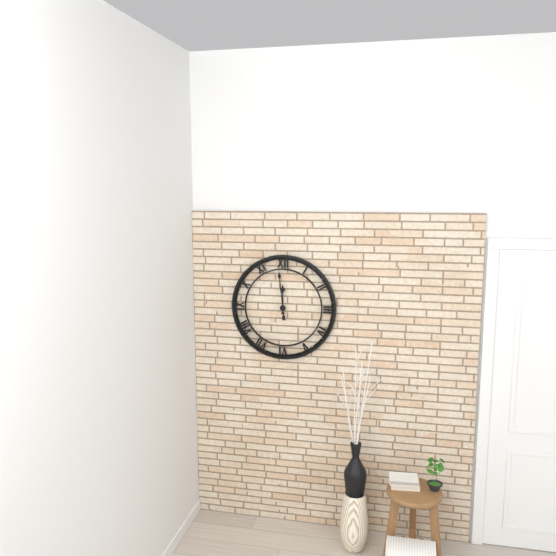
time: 11:59
